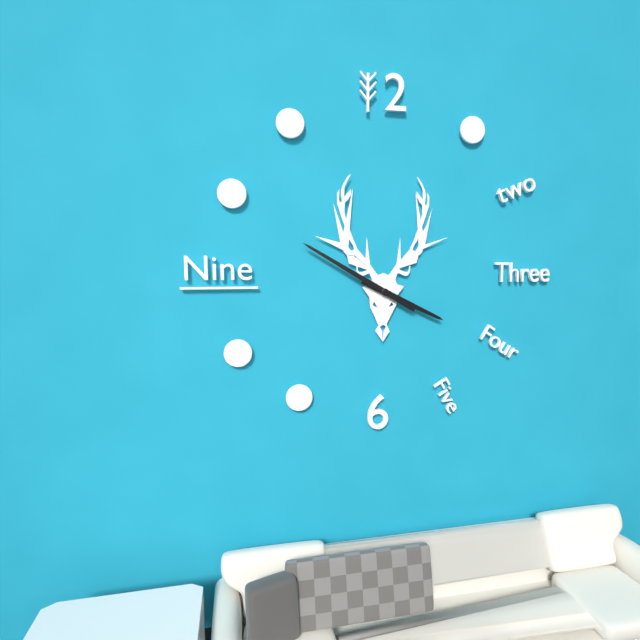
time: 3:50
